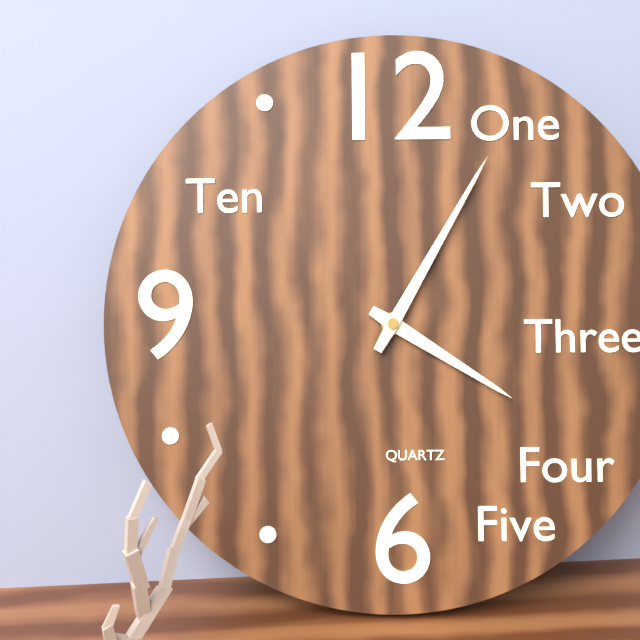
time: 4:05
